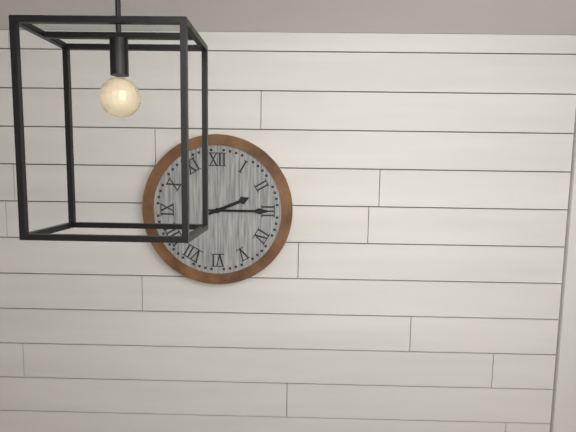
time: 2:15
